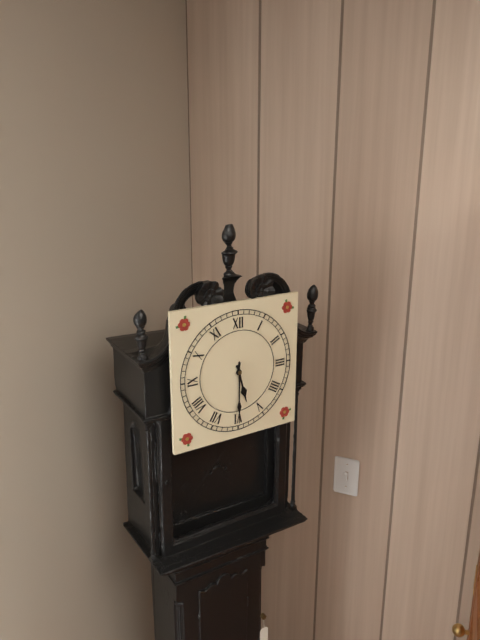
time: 5:30
